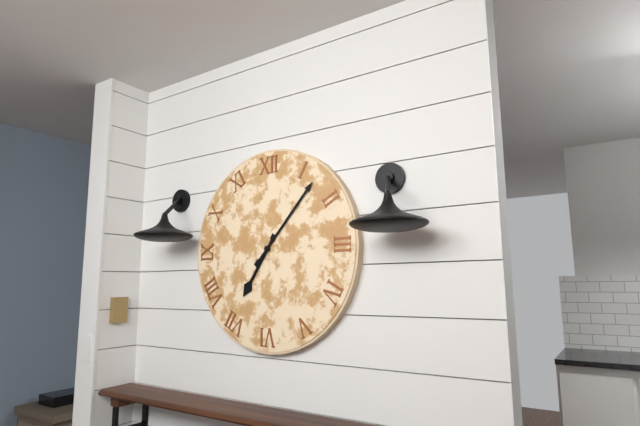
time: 7:07
